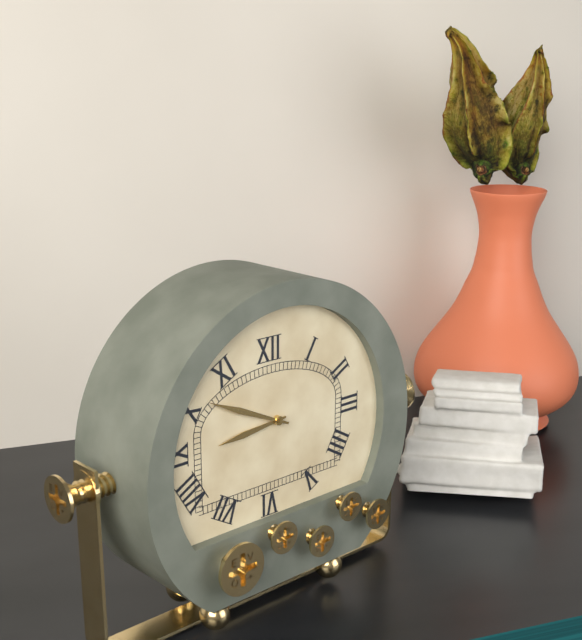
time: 8:49
